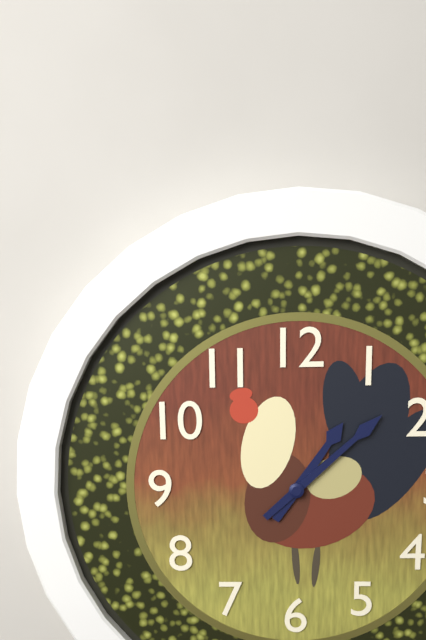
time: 1:08
